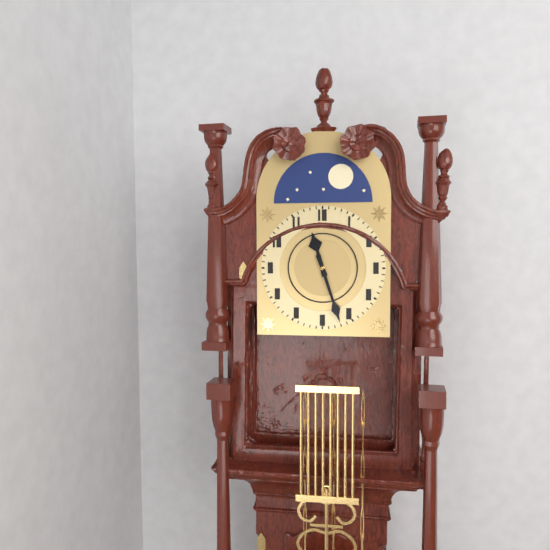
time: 11:27
